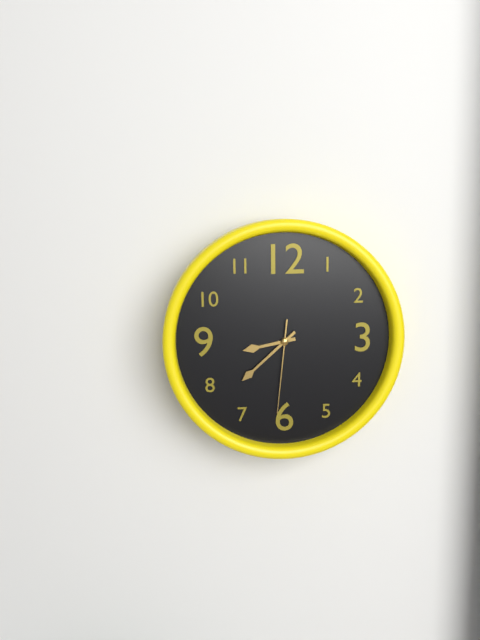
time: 8:38:31
